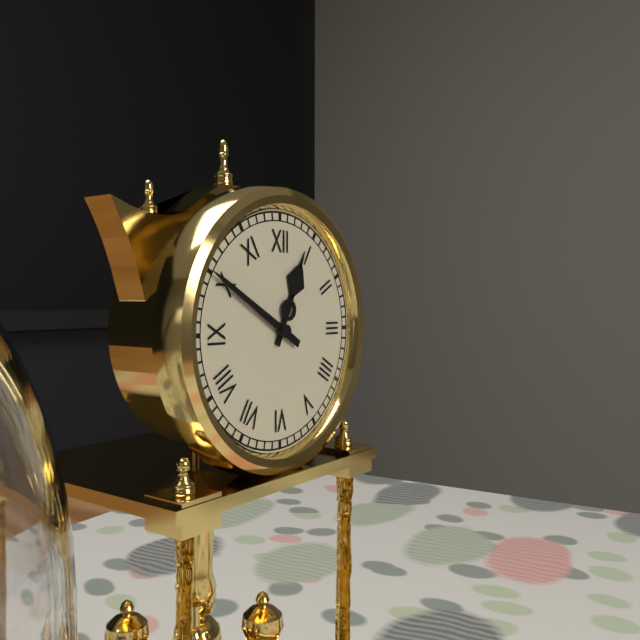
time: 12:50
